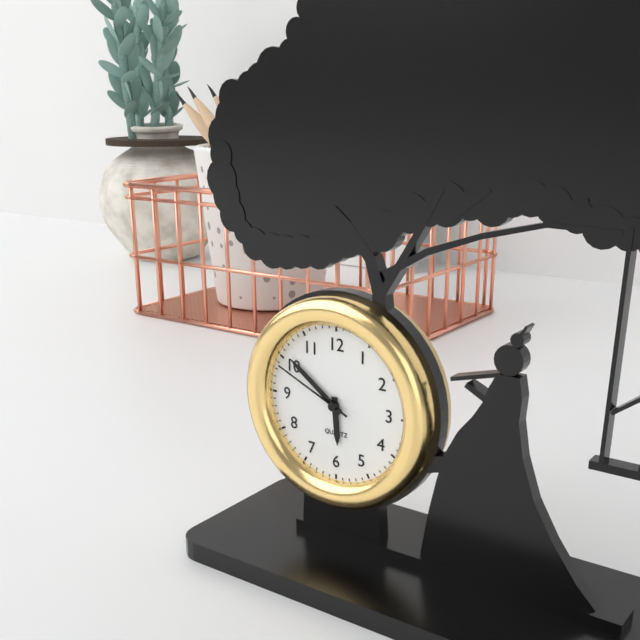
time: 5:51:49
